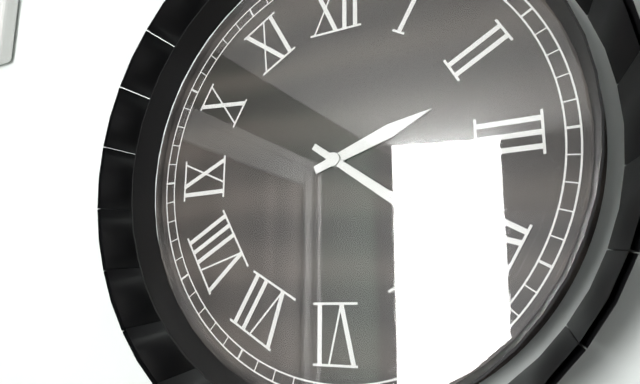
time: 2:21
